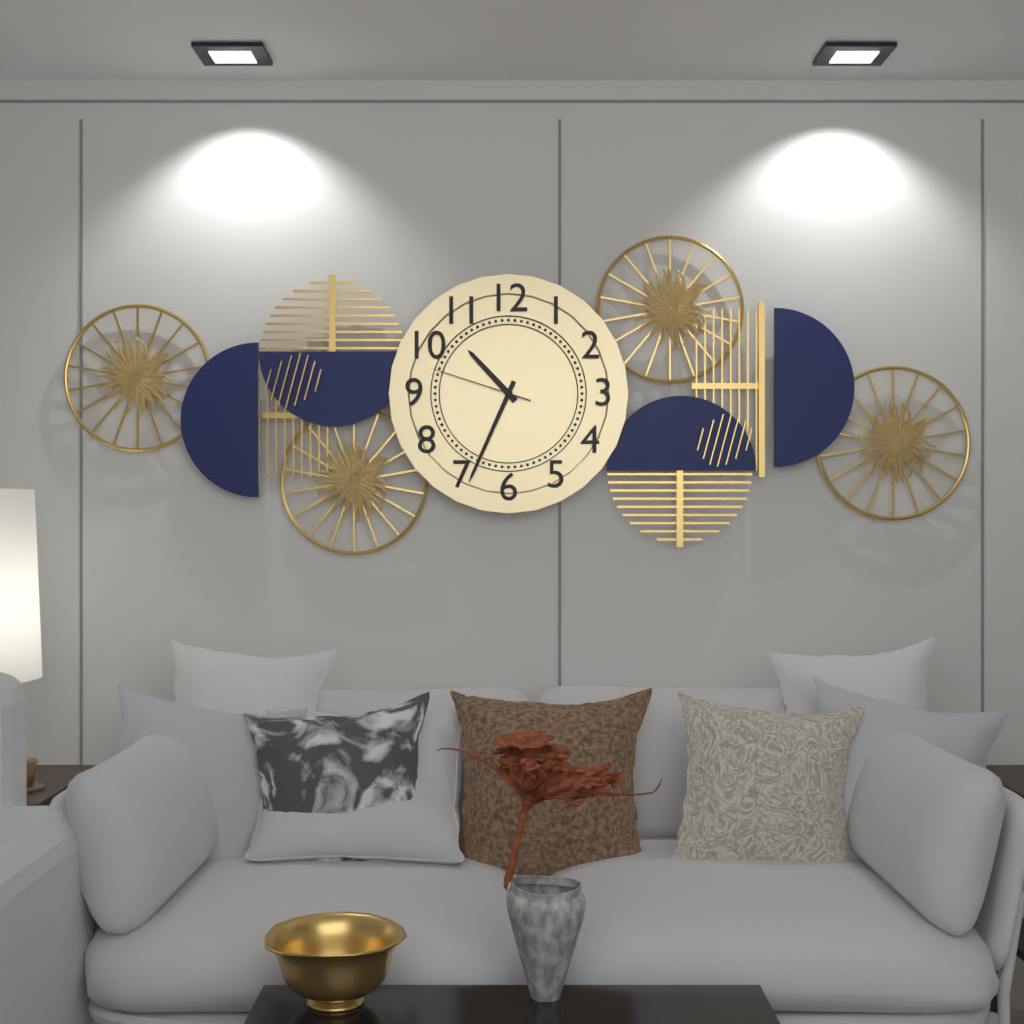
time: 10:34:48
